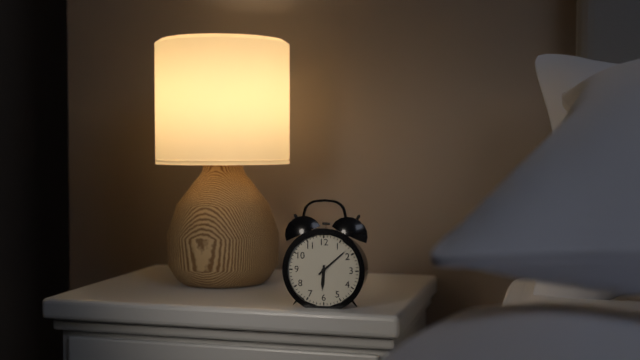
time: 6:08
